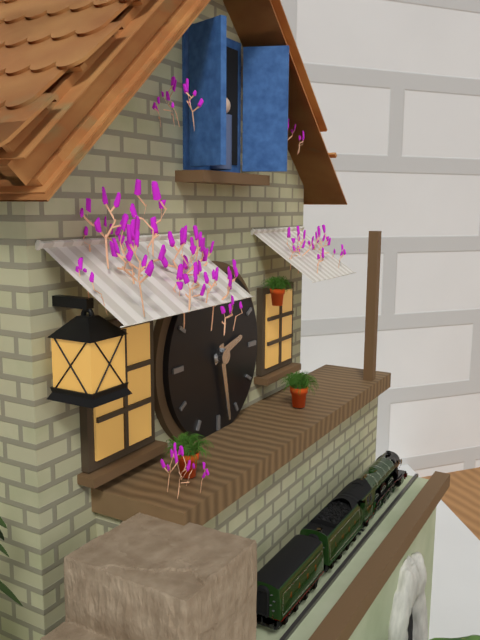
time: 2:28
